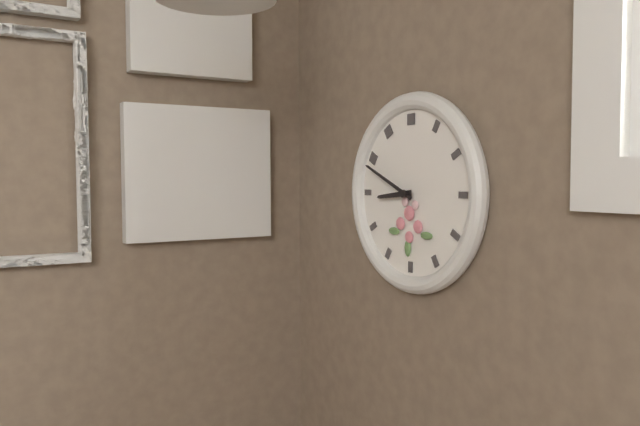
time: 8:49
